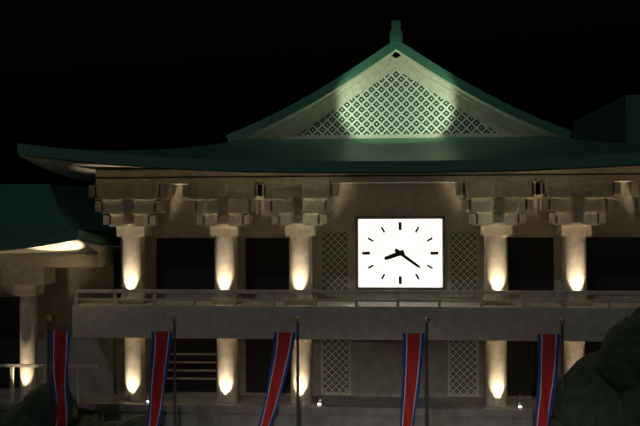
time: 8:21
